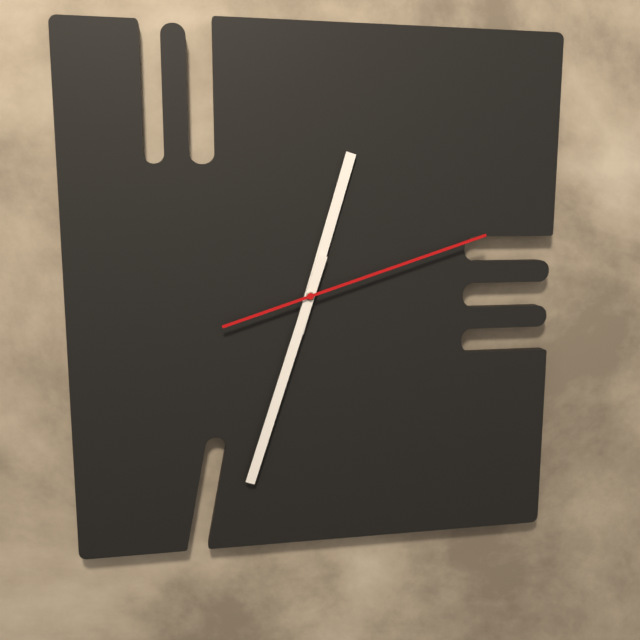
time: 12:33:12
